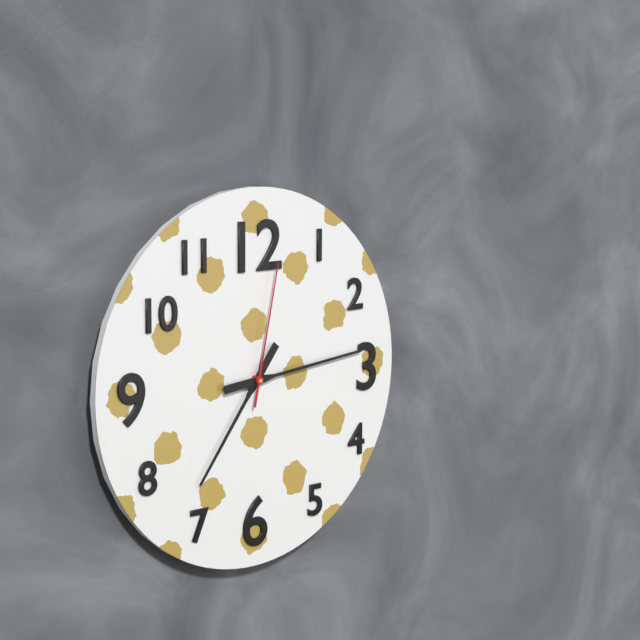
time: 7:14:02
